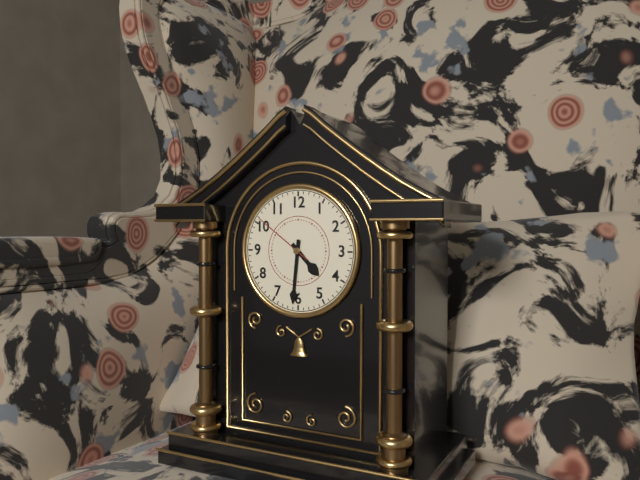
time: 4:31:51
